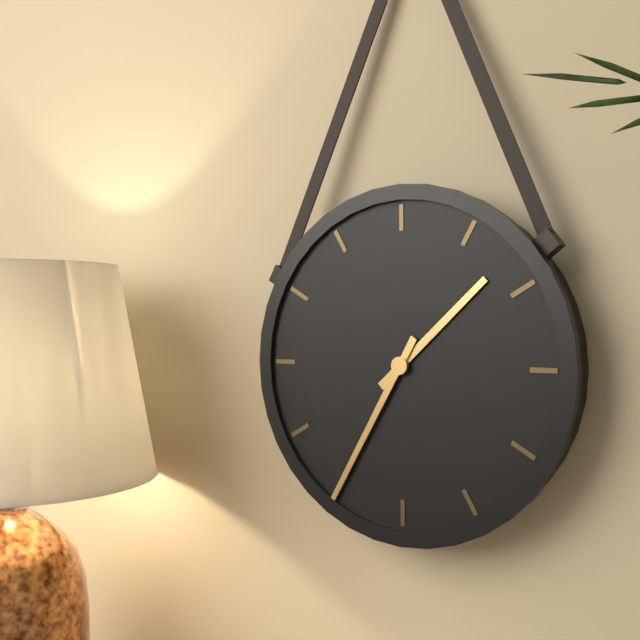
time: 1:35
